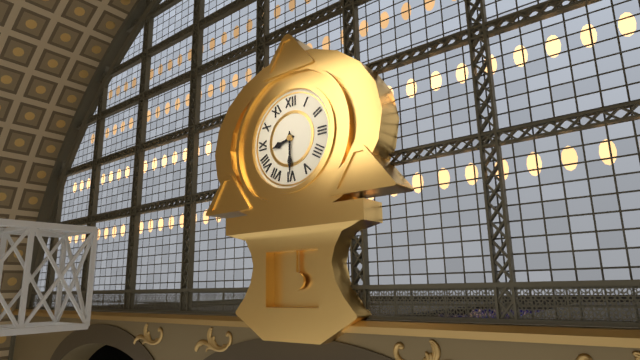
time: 8:30
